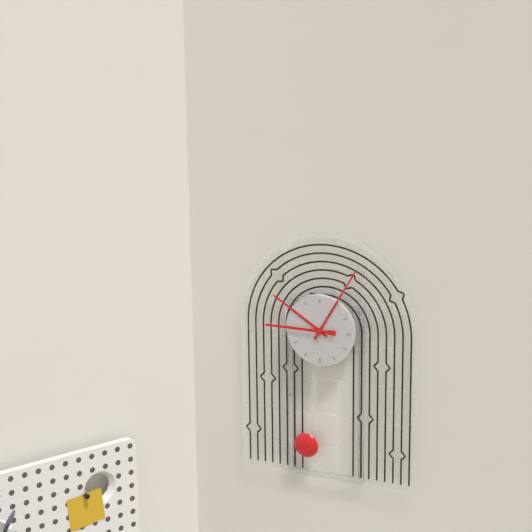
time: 10:05:45
